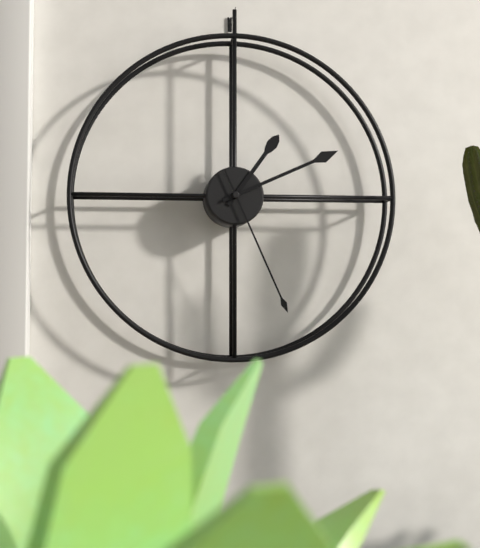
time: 1:11:26
